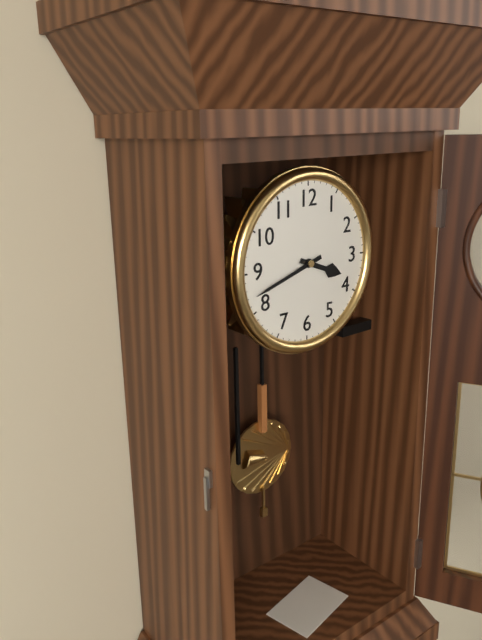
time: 3:42
